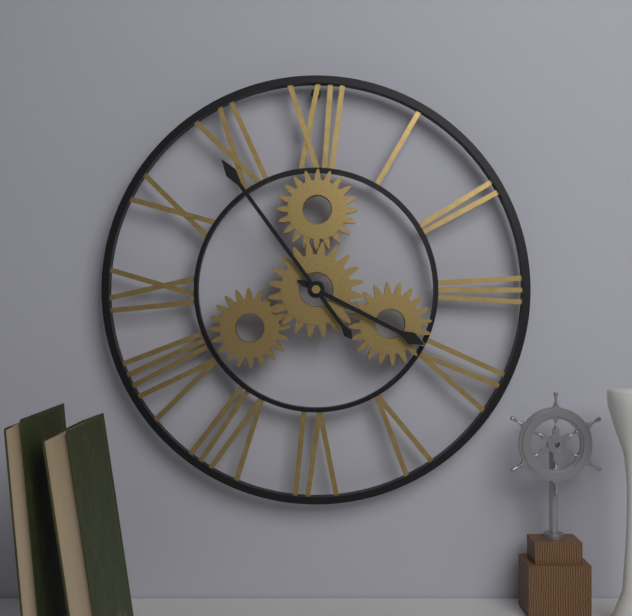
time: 3:54
